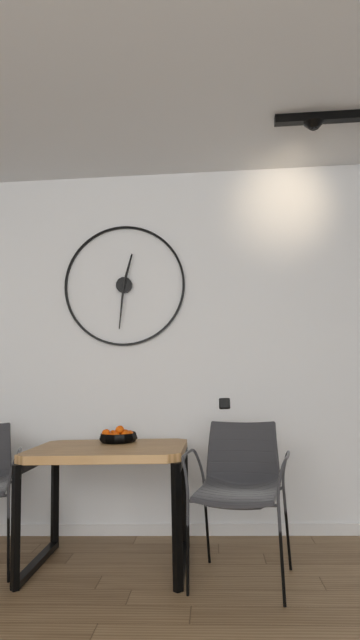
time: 12:31
